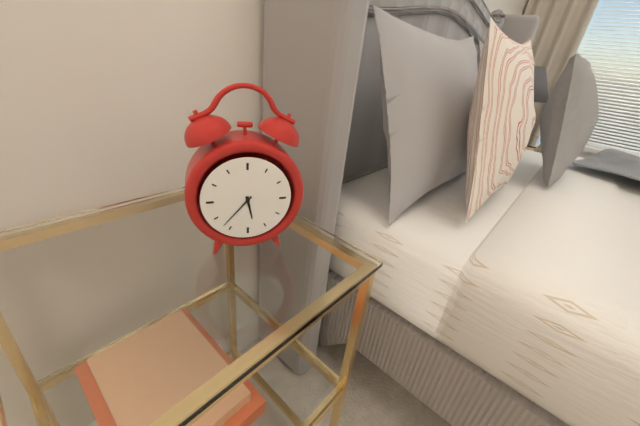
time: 5:37
